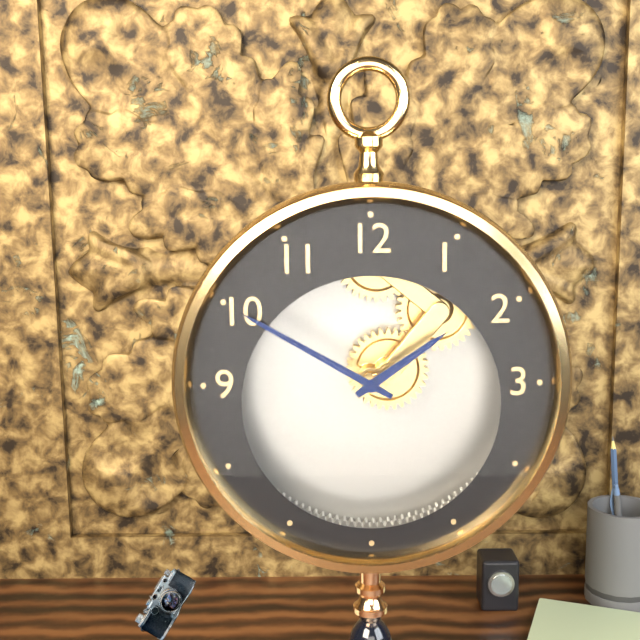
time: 1:50
